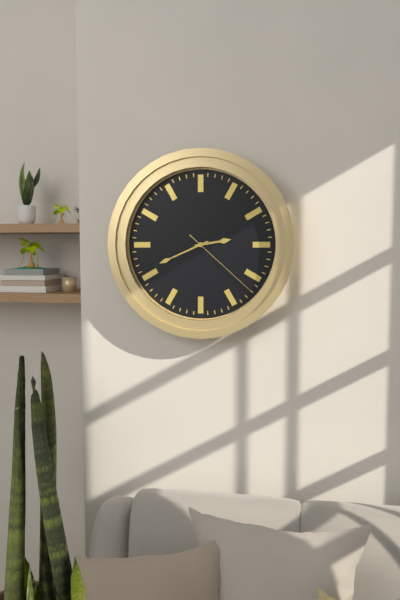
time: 2:41:22
